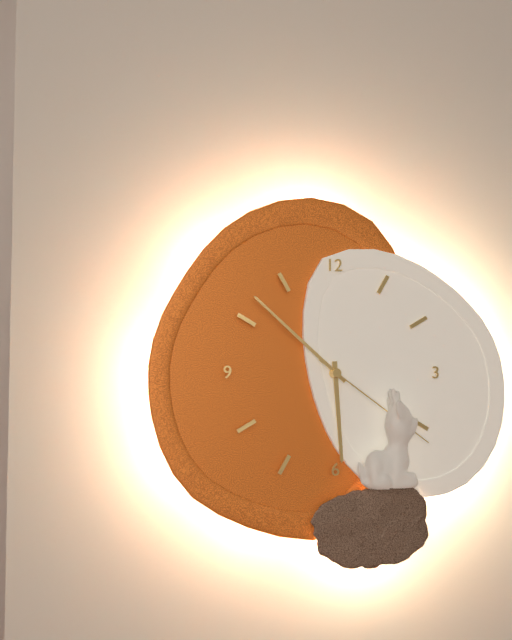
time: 5:52:21
